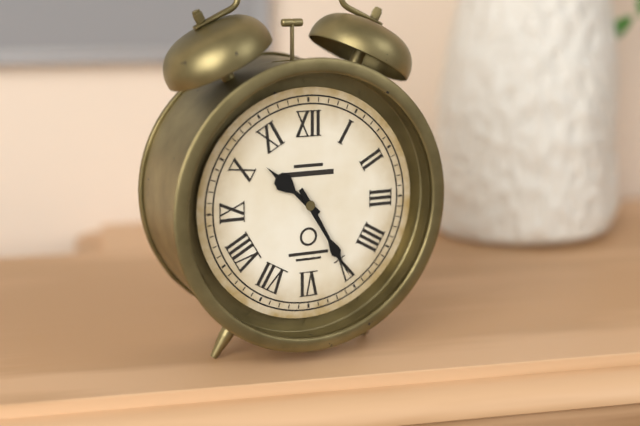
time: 10:25
